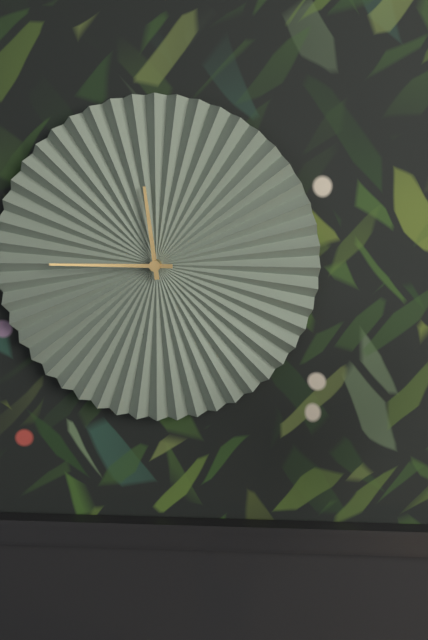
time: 11:45
